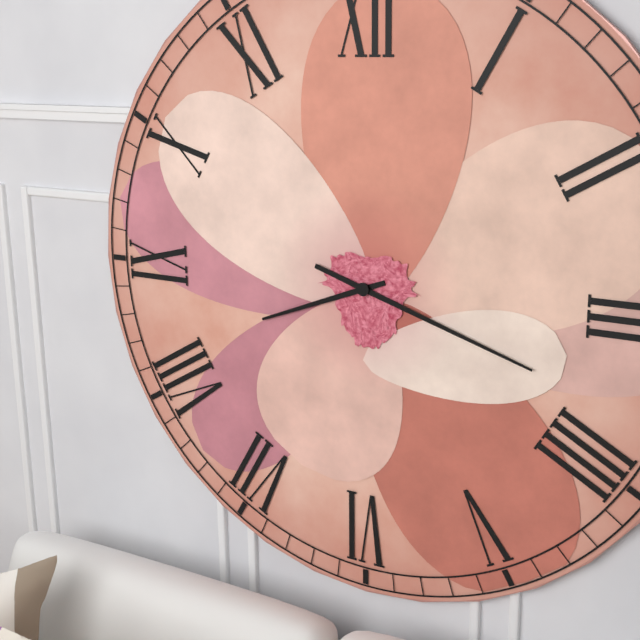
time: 8:18
